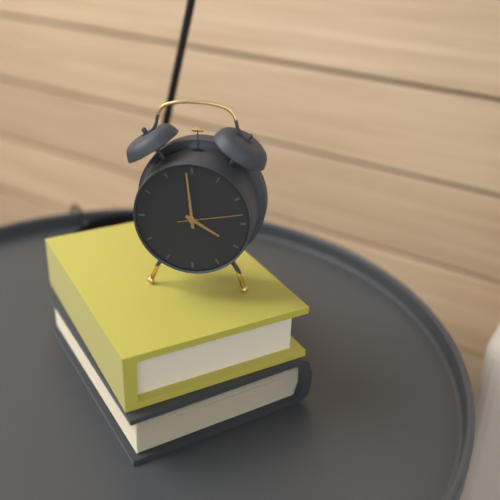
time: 3:59:13
